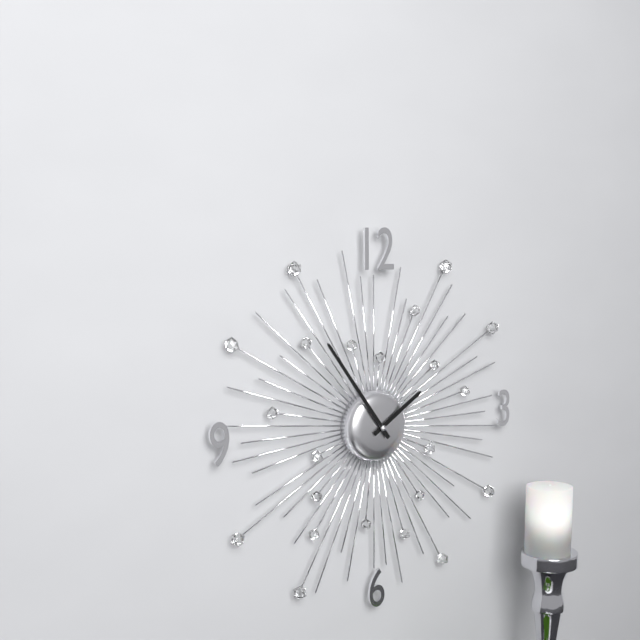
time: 1:54
